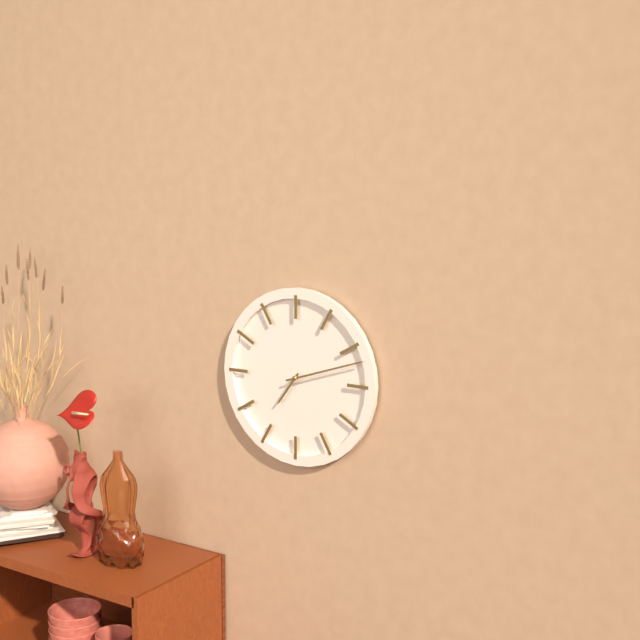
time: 7:12
